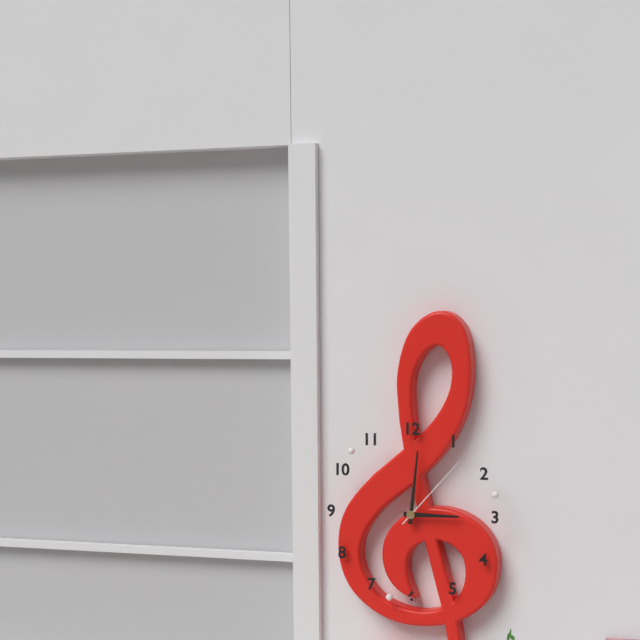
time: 3:01:07
